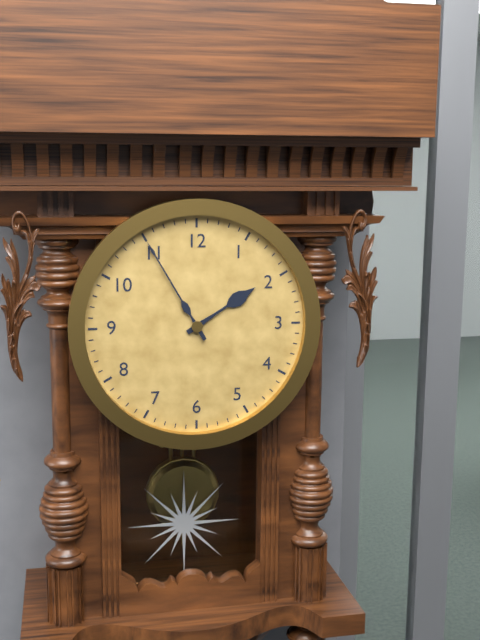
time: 1:55
